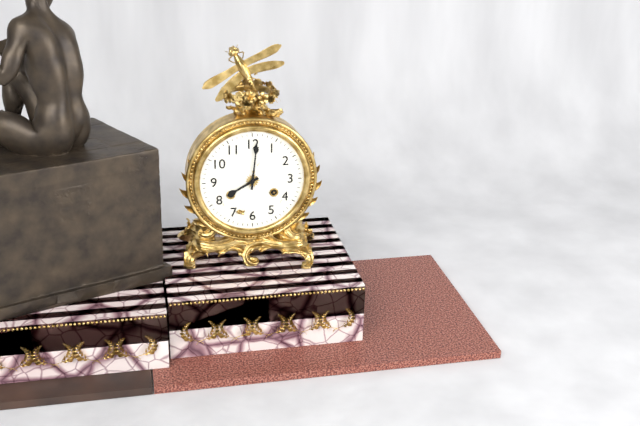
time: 8:01
